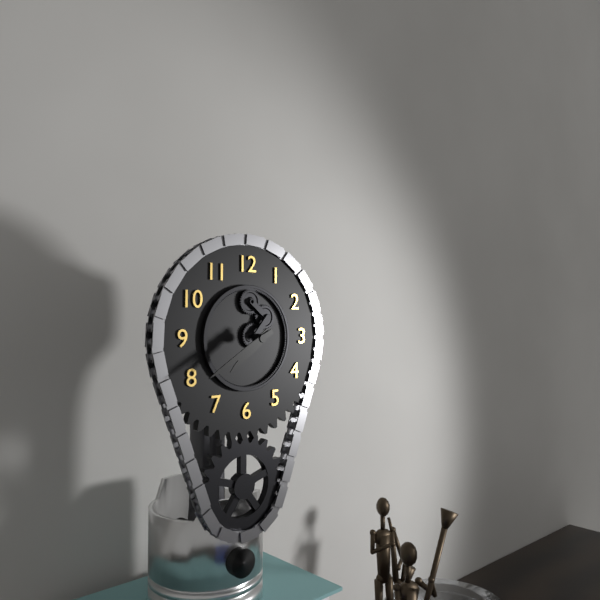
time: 7:40
